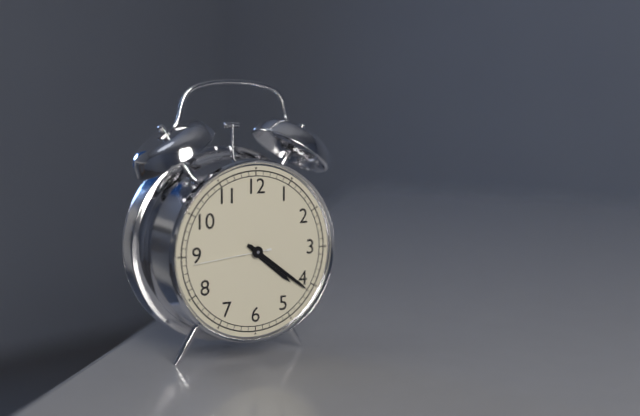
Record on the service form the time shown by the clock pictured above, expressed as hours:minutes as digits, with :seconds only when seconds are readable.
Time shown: 4:21:44
